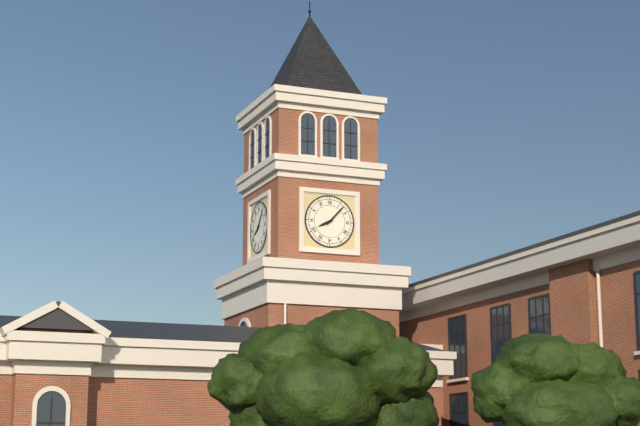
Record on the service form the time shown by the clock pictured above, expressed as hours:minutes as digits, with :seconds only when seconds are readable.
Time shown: 8:07
